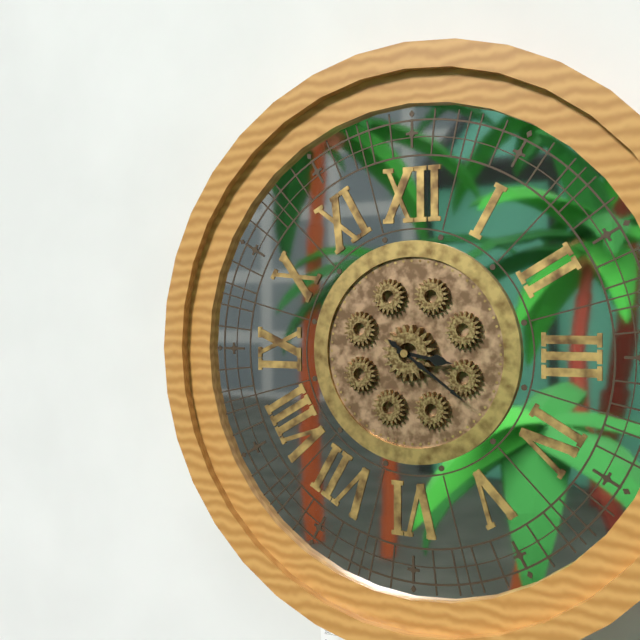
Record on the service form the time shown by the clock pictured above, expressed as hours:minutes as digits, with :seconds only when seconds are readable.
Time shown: 3:21
